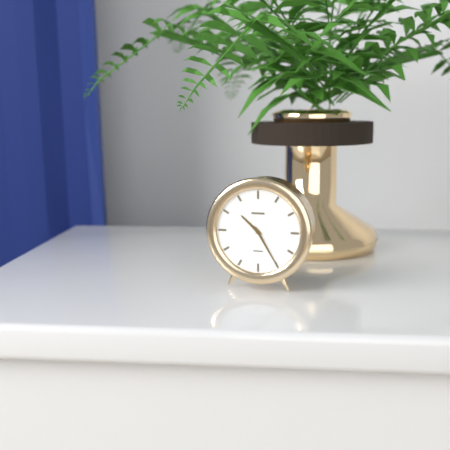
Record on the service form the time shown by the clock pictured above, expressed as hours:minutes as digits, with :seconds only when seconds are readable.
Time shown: 10:25
